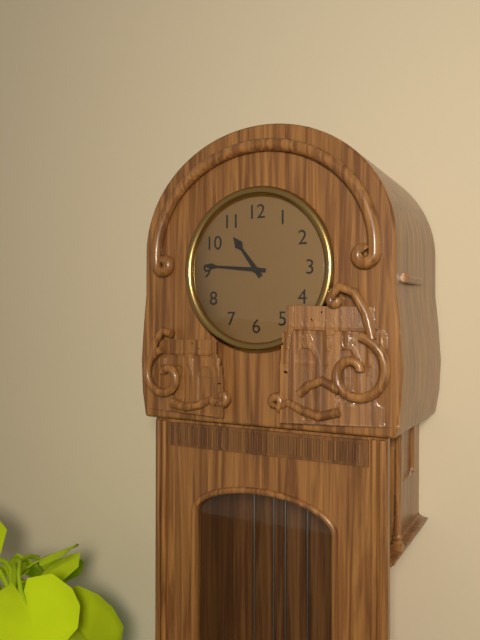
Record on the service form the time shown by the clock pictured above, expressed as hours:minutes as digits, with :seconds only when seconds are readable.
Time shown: 10:46
